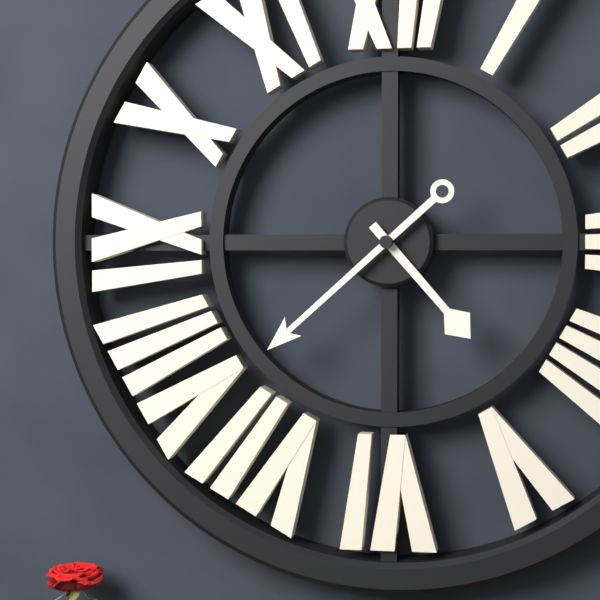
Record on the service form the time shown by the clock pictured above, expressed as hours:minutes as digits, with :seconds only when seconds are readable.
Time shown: 4:38
